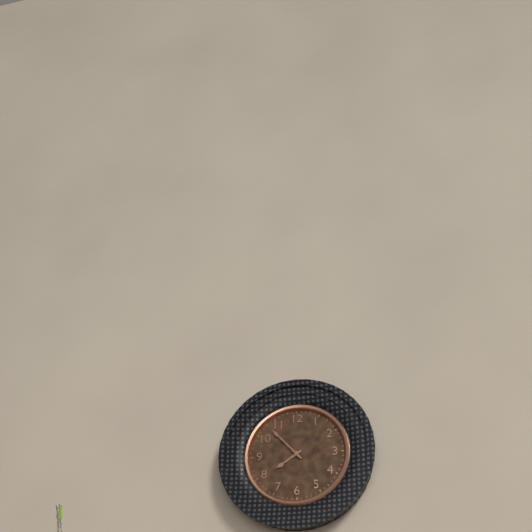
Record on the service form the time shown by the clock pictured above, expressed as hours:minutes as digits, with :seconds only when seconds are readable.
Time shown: 7:53
